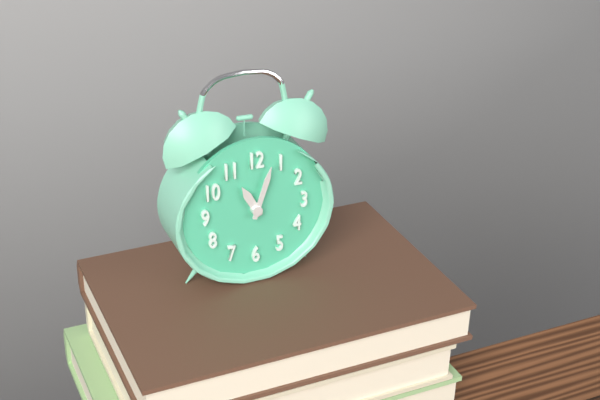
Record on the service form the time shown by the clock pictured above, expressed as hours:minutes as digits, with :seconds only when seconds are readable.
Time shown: 11:03
